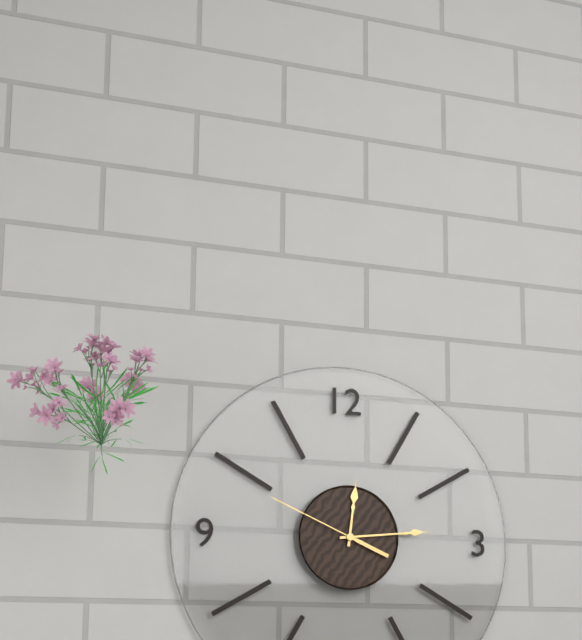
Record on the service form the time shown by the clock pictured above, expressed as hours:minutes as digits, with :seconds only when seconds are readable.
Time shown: 12:14:49
